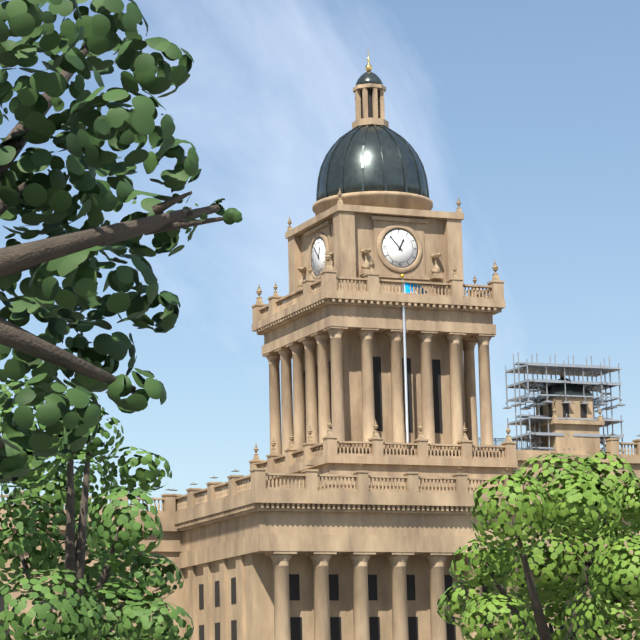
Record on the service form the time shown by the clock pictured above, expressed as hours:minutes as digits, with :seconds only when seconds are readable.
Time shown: 12:53
